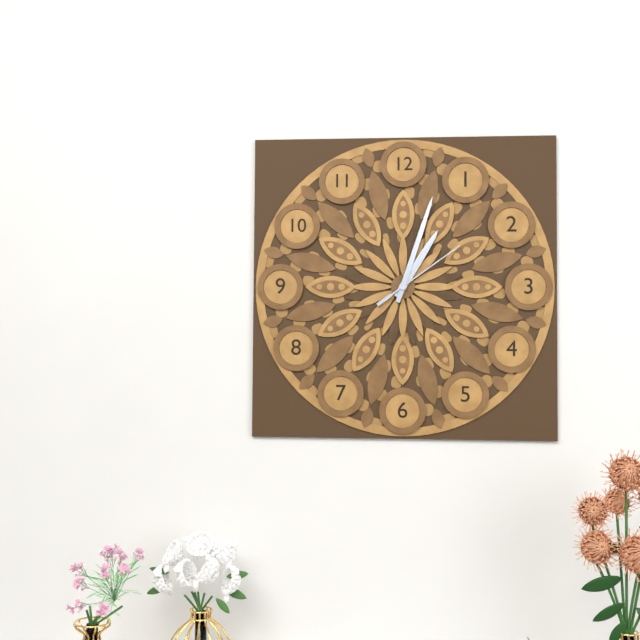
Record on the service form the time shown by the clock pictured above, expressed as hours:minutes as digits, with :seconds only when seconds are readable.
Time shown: 1:03:09
